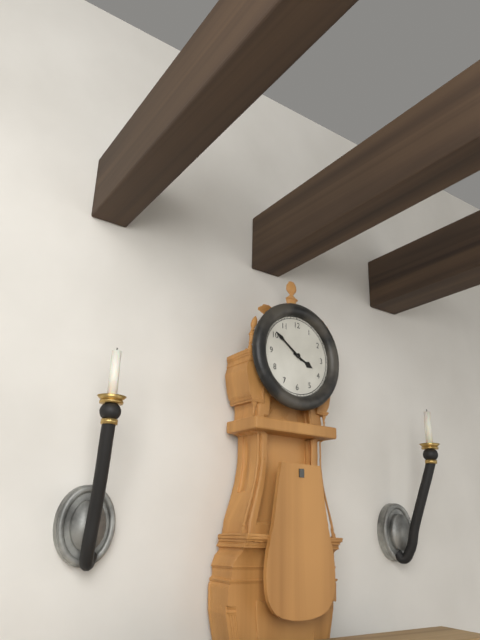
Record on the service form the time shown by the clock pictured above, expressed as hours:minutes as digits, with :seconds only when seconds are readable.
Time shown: 3:51
